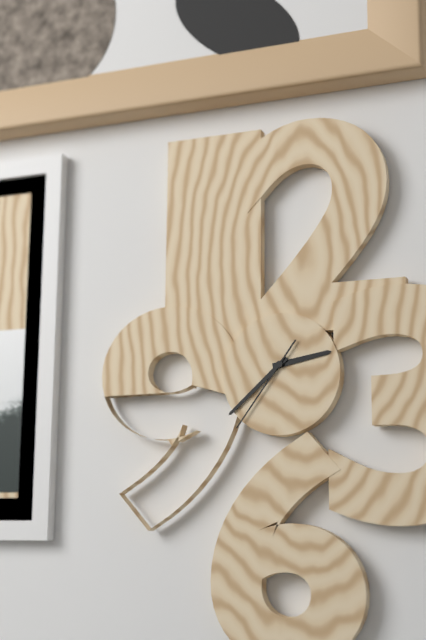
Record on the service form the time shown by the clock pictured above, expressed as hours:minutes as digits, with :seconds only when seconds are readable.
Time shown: 2:38:36
